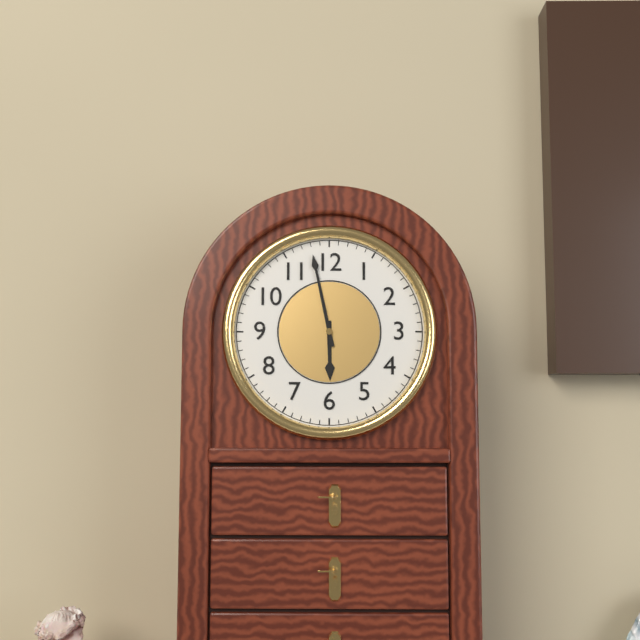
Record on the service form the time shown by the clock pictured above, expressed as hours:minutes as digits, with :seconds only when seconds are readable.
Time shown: 5:58
